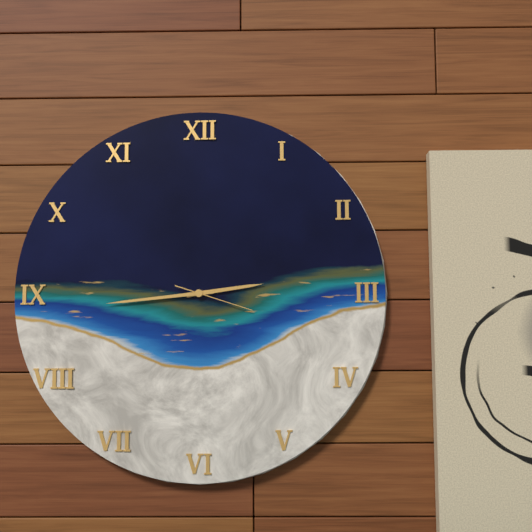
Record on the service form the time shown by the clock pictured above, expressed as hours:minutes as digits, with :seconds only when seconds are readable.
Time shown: 2:44:18
